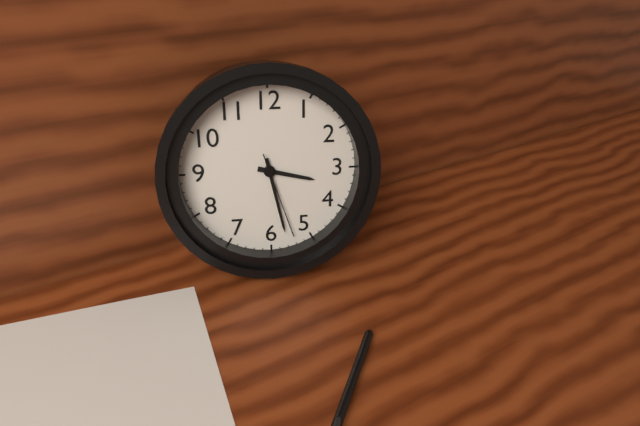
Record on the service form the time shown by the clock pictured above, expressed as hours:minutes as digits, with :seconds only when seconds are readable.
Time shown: 3:28:27
